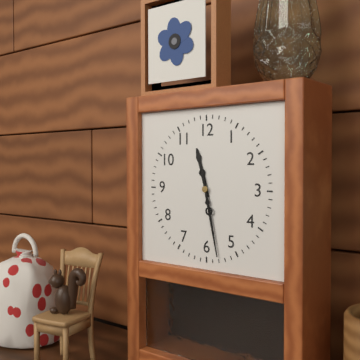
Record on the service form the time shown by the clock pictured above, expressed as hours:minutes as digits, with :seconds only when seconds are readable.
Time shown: 11:28
